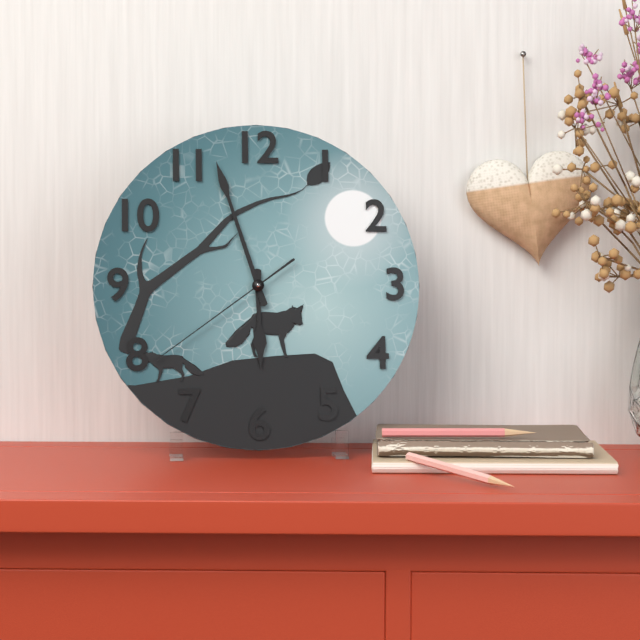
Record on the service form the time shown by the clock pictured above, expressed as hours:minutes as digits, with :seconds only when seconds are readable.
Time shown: 5:57:39
